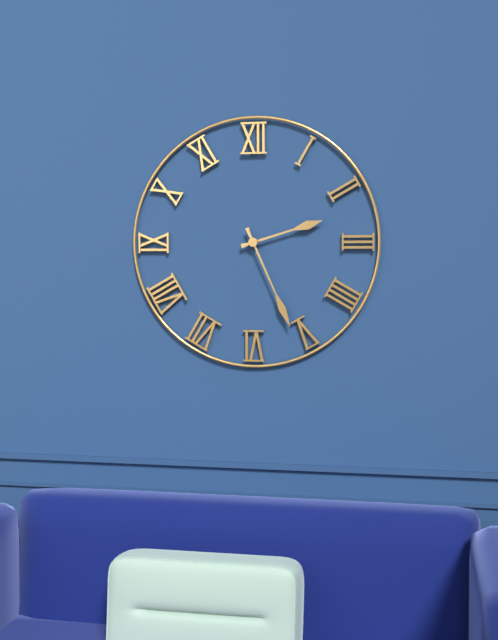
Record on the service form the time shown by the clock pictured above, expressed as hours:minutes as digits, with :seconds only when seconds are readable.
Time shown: 2:26
